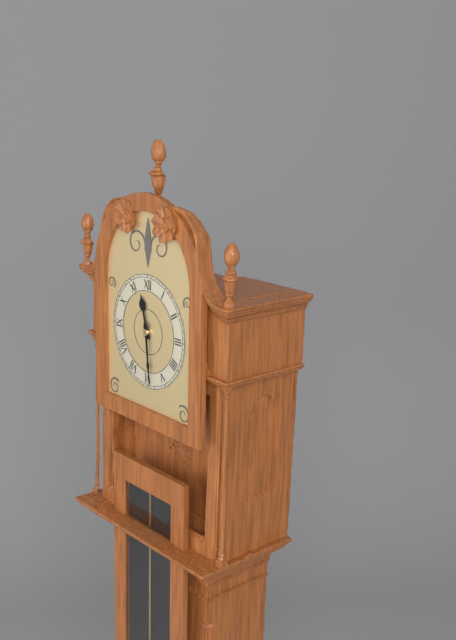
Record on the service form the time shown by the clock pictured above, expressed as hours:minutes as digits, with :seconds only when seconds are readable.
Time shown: 11:29
